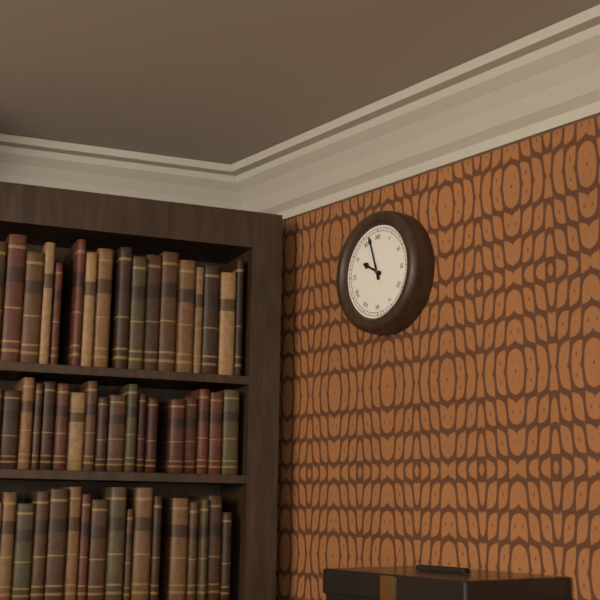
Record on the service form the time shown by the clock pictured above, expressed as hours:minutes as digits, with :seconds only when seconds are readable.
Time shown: 9:57
